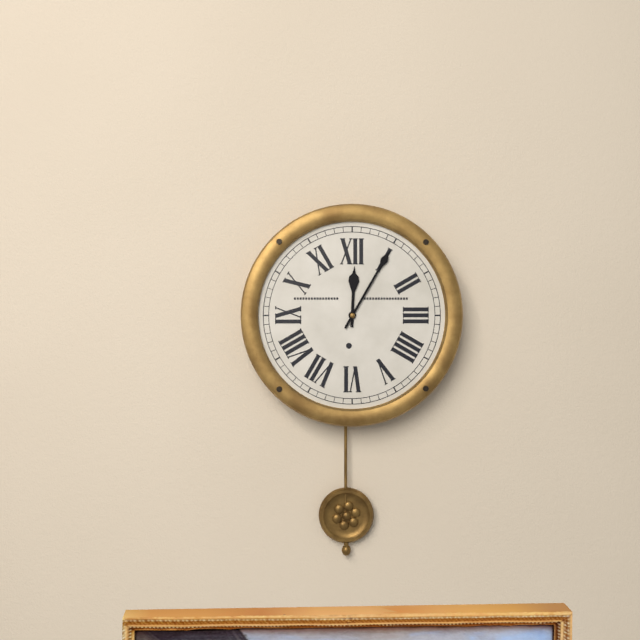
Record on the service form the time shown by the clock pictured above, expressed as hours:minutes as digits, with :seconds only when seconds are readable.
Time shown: 12:05
